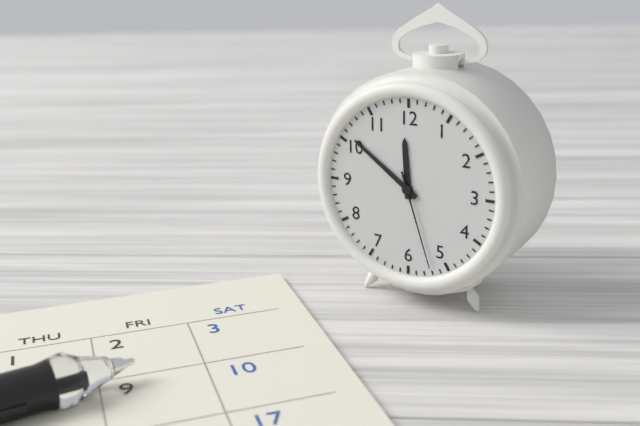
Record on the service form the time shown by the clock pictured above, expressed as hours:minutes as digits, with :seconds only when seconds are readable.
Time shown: 11:51:27
